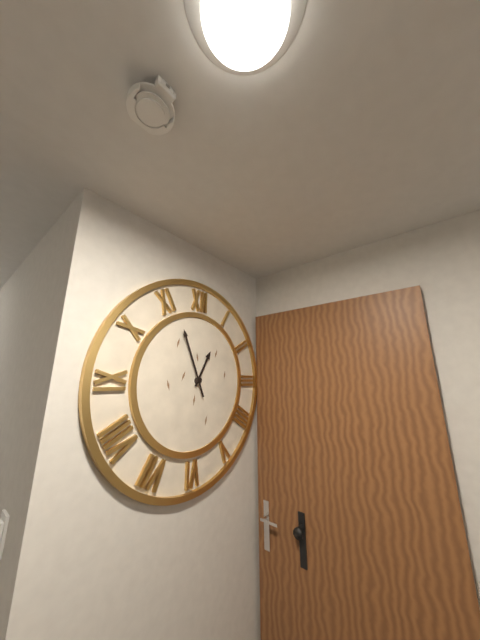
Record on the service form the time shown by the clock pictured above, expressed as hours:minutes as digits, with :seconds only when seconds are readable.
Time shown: 12:56
